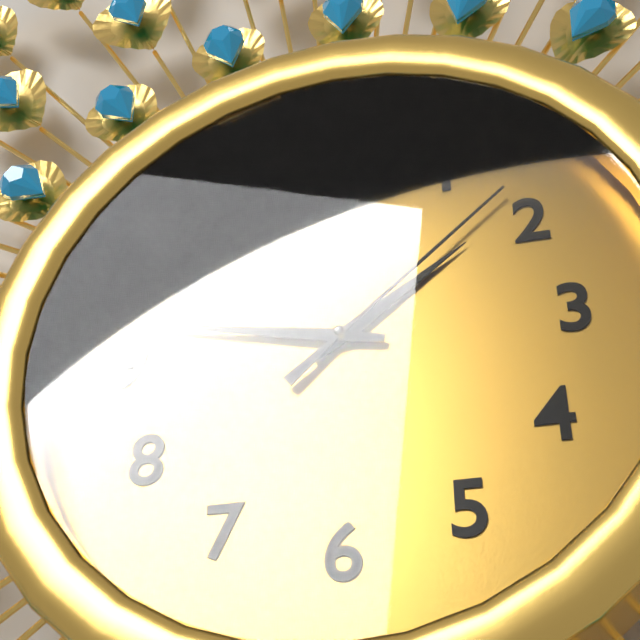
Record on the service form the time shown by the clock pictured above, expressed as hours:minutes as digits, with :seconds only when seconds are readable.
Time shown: 1:47:08
